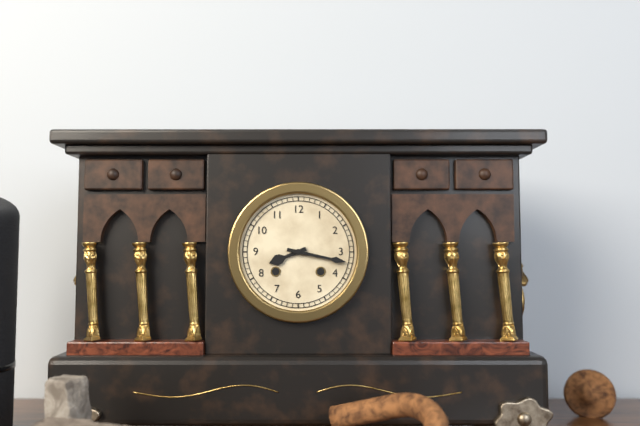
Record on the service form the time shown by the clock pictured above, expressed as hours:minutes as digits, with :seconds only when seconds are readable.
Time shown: 8:17
